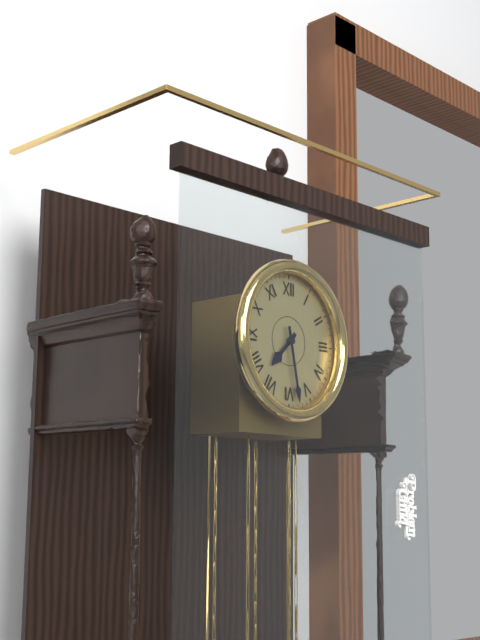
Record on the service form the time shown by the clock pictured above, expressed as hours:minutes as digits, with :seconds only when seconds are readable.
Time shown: 7:28
